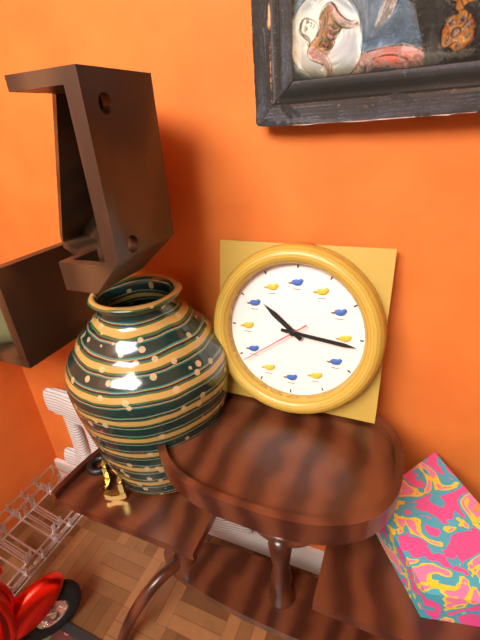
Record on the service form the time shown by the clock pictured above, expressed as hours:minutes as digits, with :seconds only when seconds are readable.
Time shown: 10:16:39
